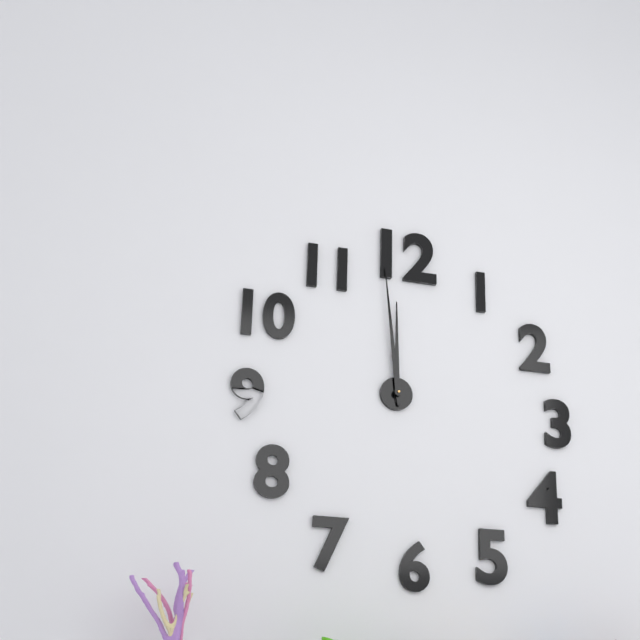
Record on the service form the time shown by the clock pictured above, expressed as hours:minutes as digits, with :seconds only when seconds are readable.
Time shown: 11:59
